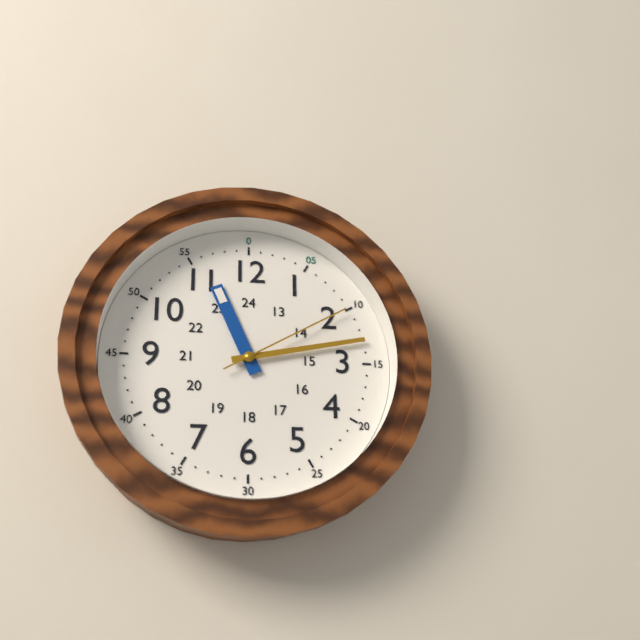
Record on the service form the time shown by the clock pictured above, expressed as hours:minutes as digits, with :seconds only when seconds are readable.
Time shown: 11:13:10
